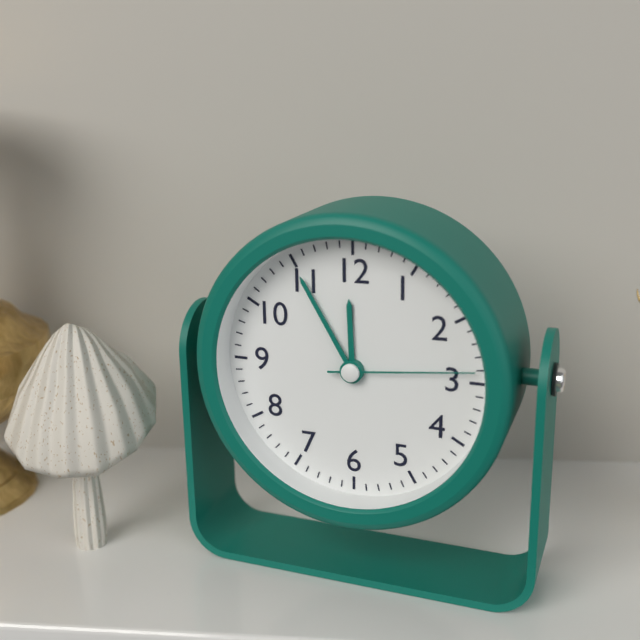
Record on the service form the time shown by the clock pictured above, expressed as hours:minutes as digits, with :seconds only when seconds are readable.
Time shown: 11:55:14
